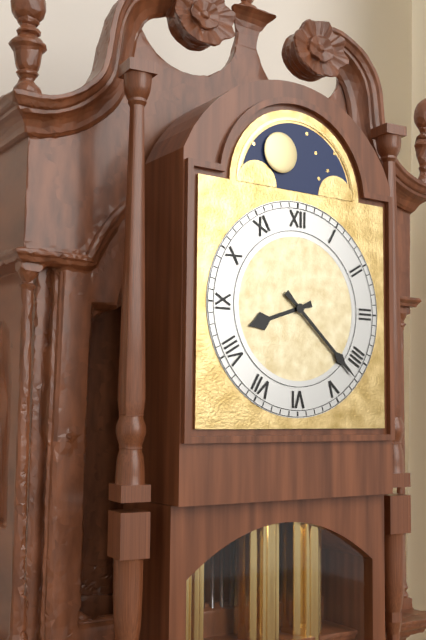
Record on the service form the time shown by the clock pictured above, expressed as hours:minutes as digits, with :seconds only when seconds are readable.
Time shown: 8:22
